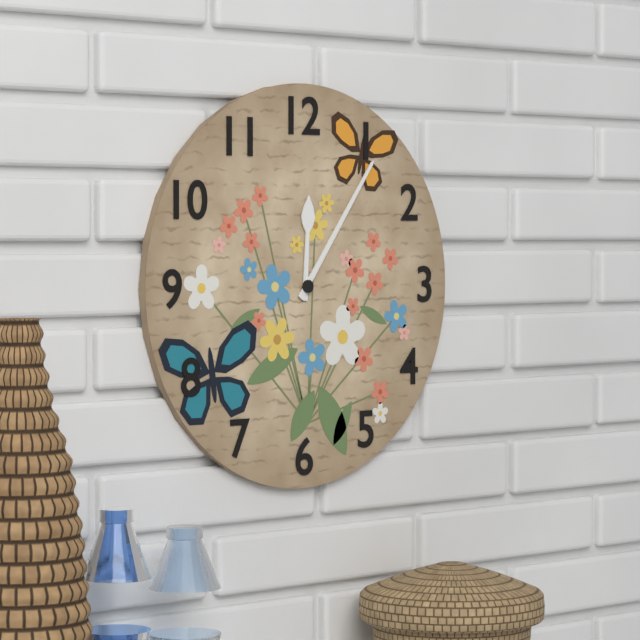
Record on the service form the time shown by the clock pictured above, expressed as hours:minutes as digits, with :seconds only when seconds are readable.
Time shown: 12:06
